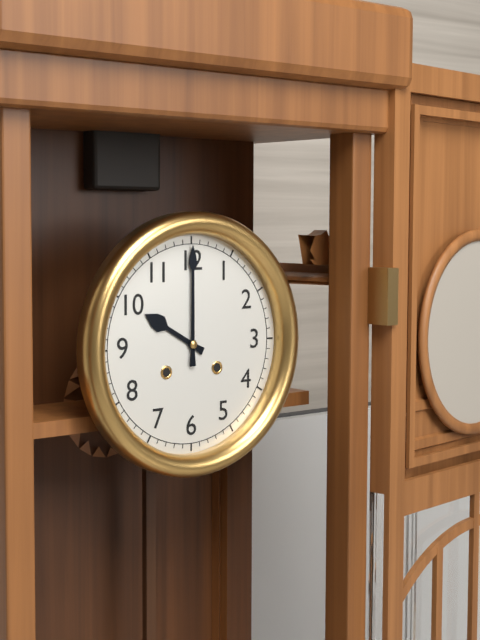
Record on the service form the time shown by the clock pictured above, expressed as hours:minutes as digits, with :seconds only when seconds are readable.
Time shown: 10:00
